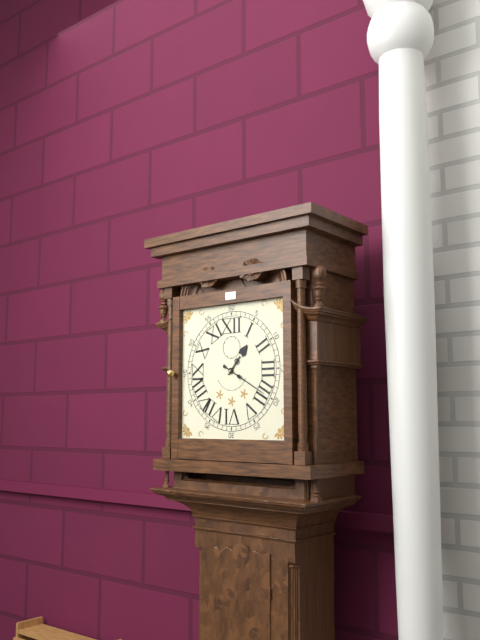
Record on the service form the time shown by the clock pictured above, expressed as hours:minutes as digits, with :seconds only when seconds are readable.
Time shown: 1:20
